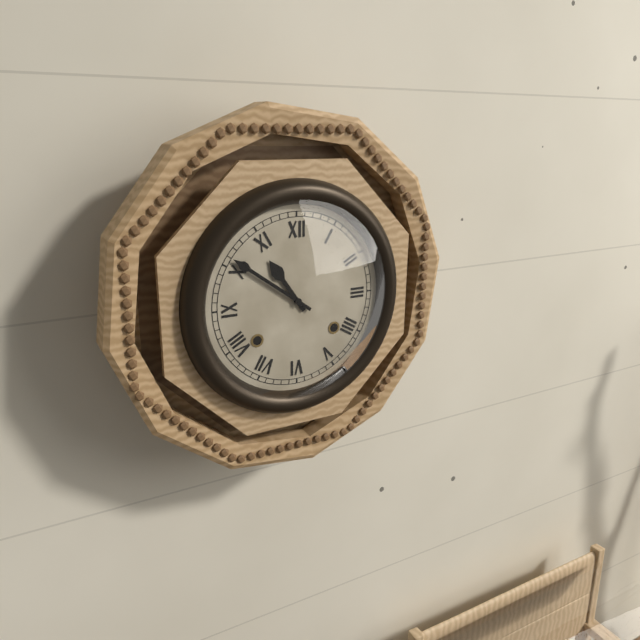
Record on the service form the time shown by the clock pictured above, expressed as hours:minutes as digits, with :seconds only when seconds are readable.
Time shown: 10:51
